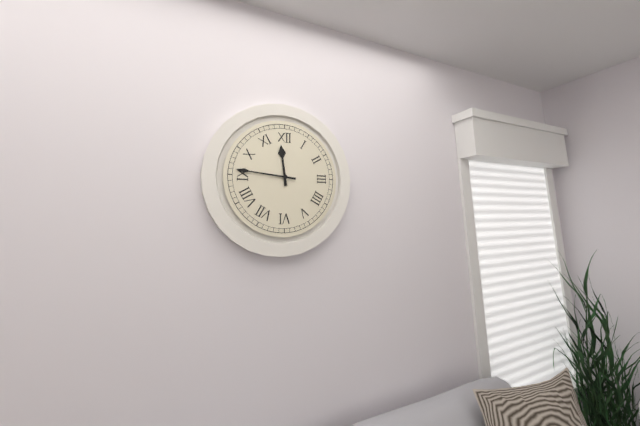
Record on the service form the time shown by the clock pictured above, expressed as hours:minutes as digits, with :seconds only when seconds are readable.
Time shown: 11:46
